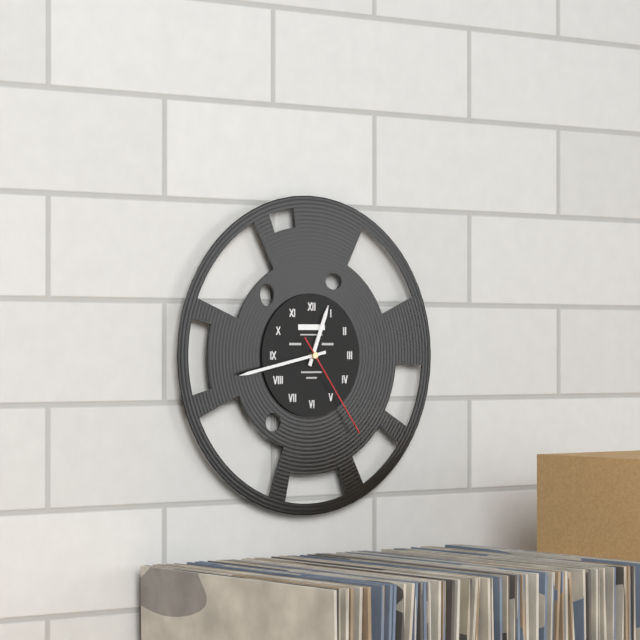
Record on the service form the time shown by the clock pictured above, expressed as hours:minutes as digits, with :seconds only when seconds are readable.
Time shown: 12:43:24
